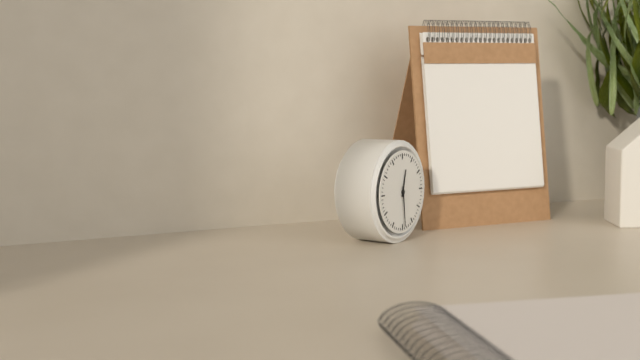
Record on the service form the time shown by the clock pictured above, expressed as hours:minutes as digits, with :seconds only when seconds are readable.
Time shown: 12:29
